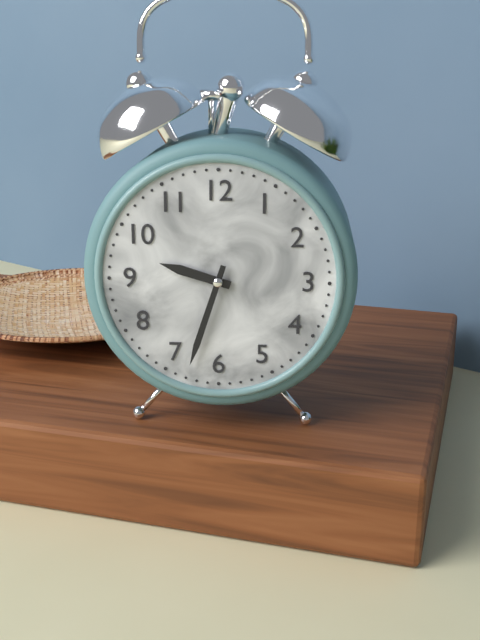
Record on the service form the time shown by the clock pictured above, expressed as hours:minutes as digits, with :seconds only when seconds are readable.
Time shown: 9:33
